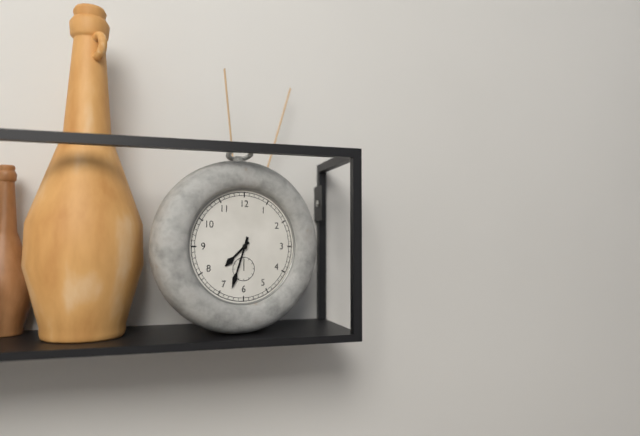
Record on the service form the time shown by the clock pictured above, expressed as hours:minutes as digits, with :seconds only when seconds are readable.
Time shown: 7:33
